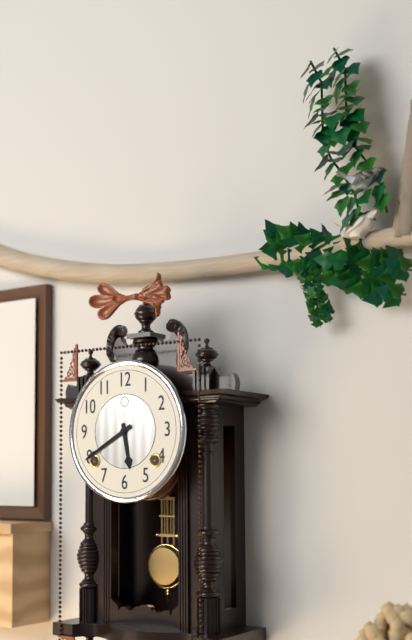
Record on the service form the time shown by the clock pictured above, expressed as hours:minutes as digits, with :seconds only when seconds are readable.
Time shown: 5:40
